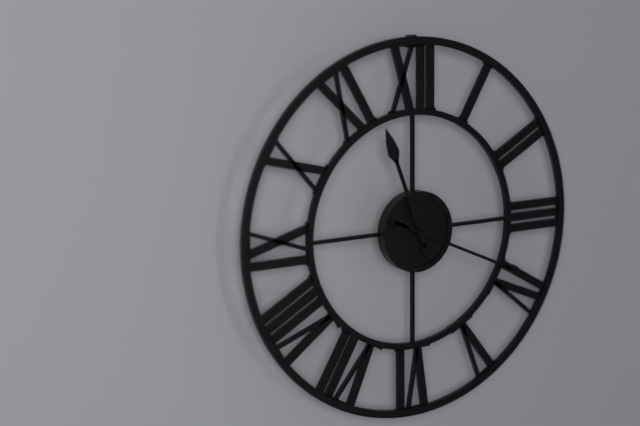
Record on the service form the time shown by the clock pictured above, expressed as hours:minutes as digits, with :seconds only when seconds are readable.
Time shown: 11:19
